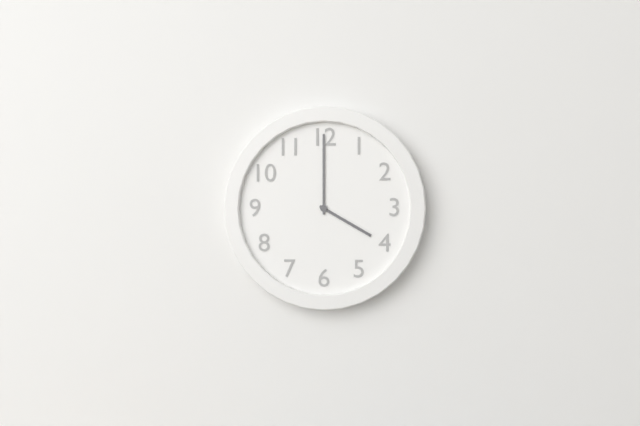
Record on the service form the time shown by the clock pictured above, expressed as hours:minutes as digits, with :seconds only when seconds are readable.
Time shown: 4:00
